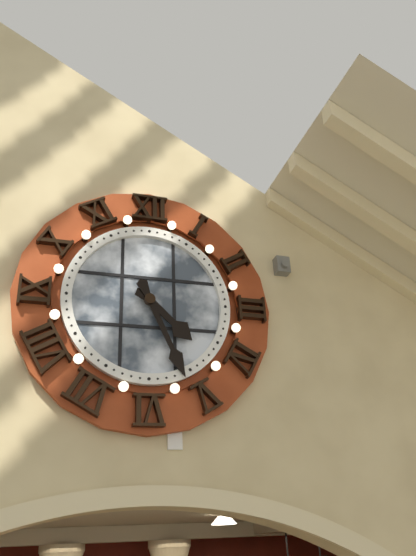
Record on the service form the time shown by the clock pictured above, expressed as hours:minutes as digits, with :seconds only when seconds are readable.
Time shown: 4:26
